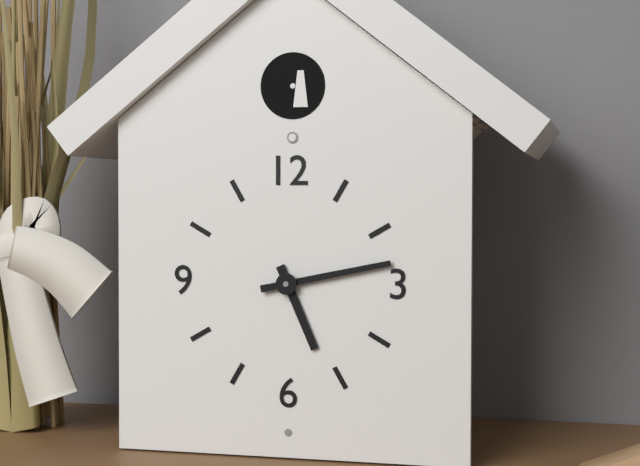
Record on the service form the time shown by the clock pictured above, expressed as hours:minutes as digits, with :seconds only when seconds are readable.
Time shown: 5:13
